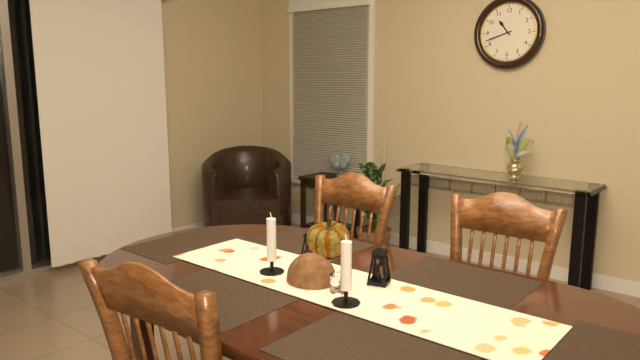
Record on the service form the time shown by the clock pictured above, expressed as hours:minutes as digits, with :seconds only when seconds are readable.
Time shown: 10:42
